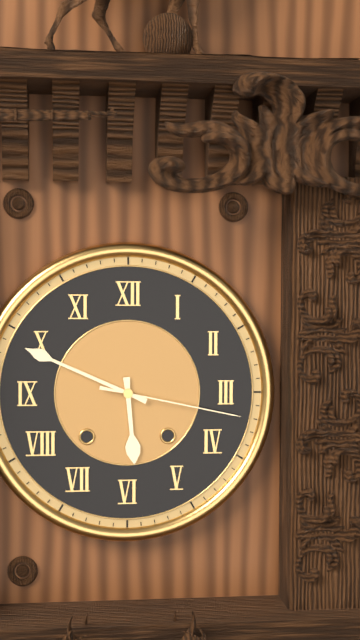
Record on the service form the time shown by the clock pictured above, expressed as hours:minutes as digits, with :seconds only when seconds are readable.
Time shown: 5:49:17
